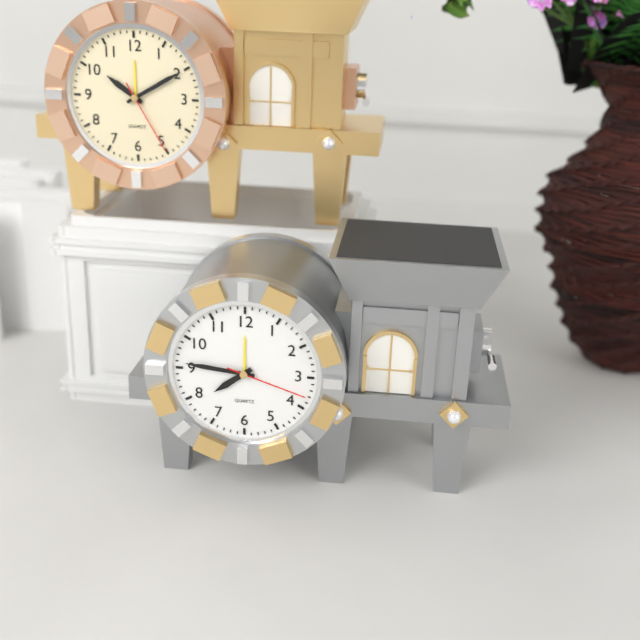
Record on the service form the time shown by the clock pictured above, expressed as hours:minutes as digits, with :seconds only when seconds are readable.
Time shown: 7:46:18
